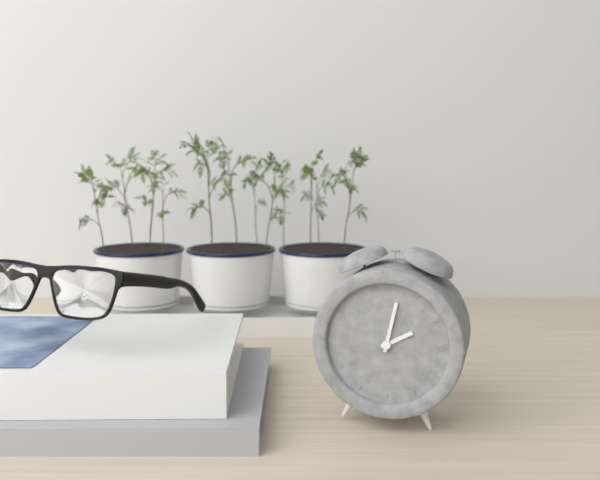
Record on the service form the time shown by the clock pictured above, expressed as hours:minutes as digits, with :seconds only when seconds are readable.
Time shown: 2:02
